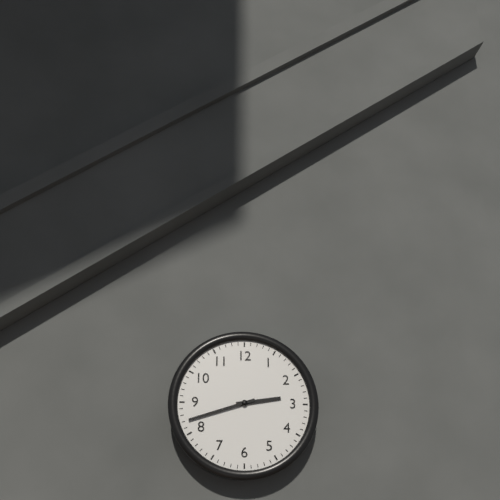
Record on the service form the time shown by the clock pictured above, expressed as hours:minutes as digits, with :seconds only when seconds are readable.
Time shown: 2:42
